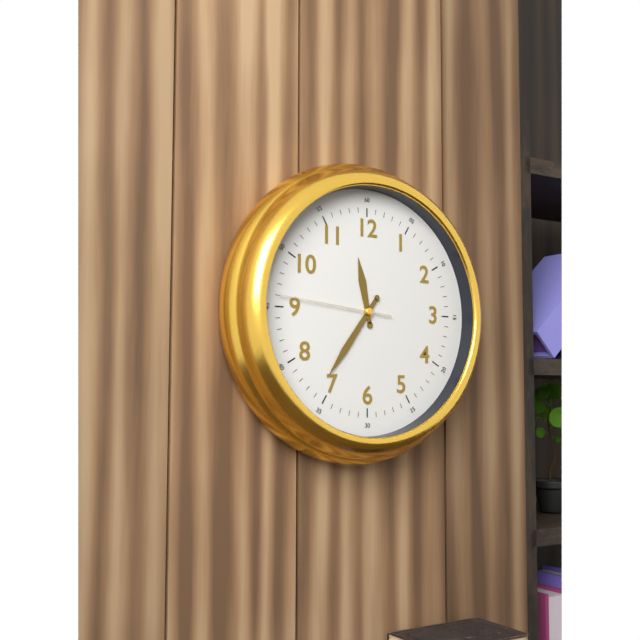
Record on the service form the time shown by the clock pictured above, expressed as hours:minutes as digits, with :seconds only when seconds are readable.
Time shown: 11:36:46
